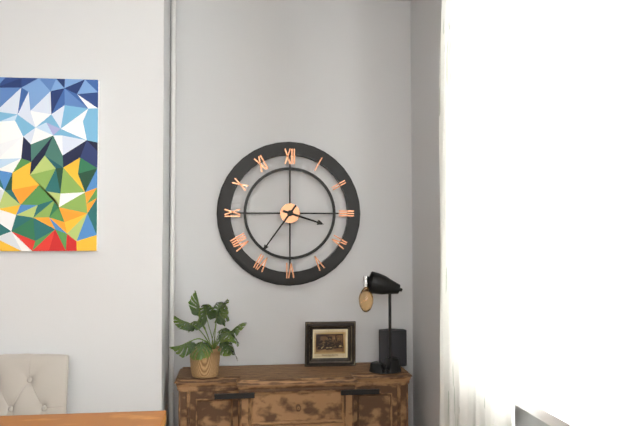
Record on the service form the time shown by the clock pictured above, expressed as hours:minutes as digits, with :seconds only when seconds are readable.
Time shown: 3:36
